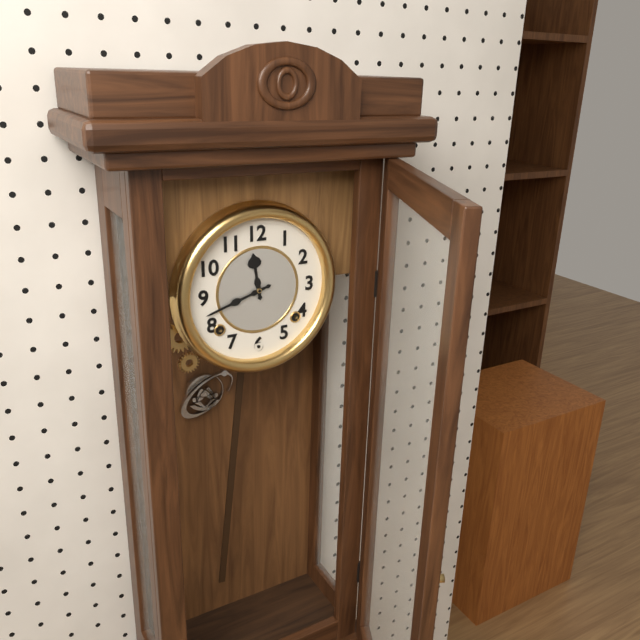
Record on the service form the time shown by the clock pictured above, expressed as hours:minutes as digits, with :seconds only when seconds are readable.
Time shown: 11:42
